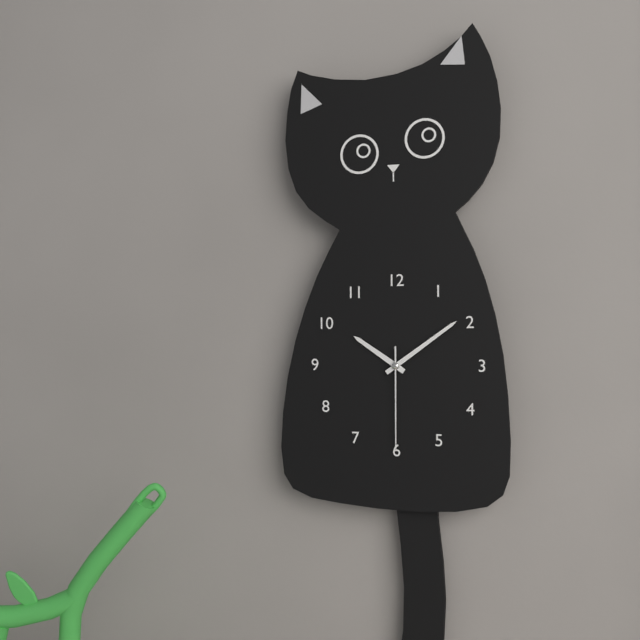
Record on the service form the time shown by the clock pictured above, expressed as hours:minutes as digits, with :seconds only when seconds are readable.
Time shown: 10:09:30
